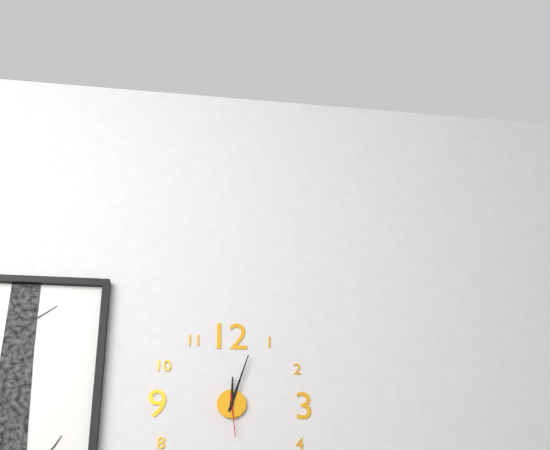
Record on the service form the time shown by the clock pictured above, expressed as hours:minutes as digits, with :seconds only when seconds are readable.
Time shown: 12:03
